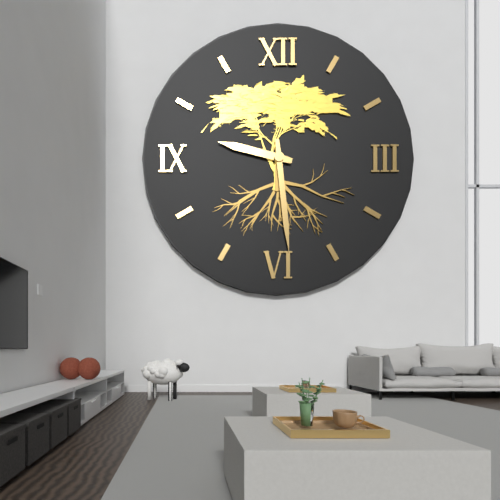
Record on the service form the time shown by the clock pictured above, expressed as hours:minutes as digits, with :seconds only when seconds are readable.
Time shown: 9:29
